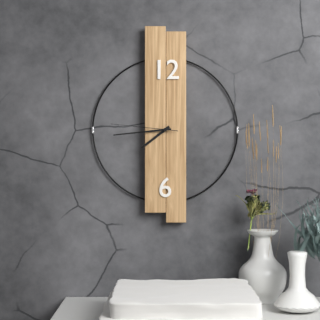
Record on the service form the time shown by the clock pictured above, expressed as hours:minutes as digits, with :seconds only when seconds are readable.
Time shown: 7:44:46
